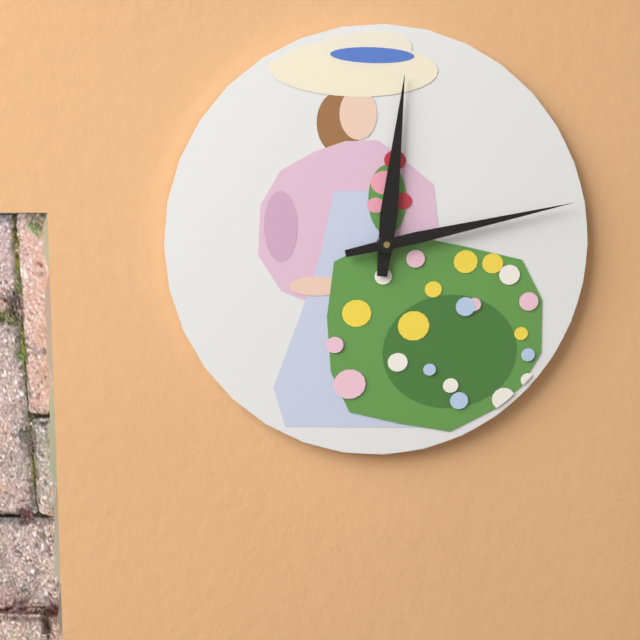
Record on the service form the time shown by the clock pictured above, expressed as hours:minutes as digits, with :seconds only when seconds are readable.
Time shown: 12:13
